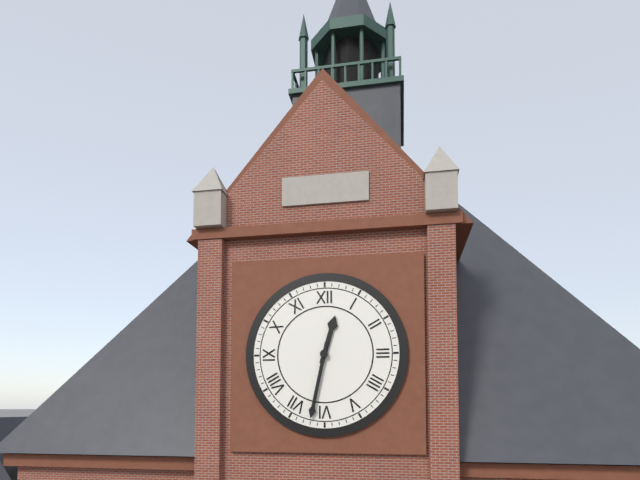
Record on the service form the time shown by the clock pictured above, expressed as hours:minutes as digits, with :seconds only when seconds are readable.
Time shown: 12:32
